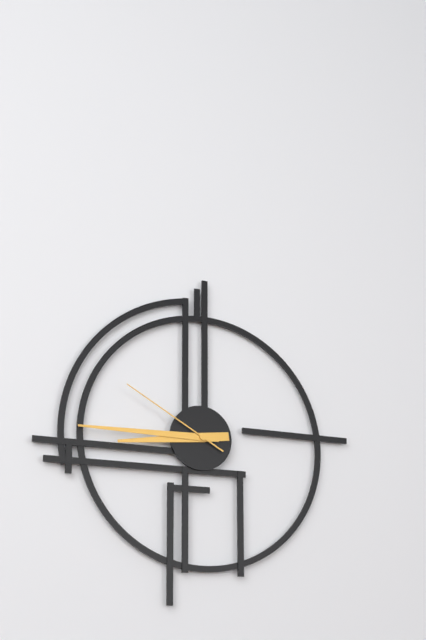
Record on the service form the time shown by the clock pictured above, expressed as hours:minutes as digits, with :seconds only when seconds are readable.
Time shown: 8:45:50
